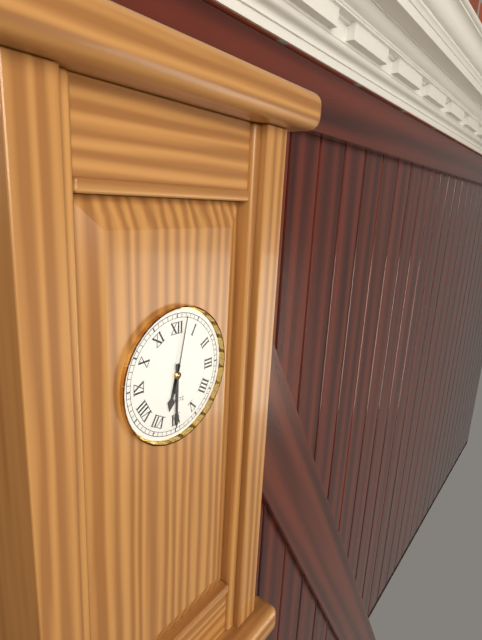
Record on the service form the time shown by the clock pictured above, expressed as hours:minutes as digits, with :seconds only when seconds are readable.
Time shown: 6:30:02
